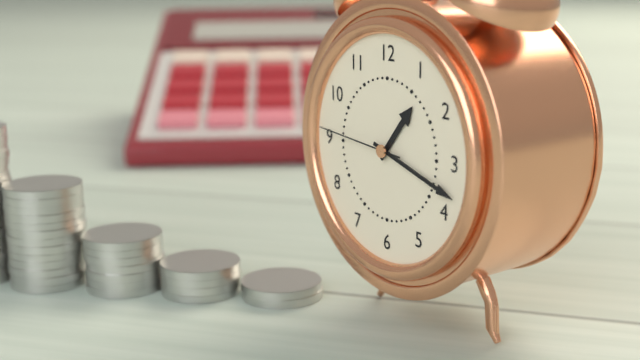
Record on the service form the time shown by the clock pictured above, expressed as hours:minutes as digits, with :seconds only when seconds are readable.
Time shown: 1:18:46
